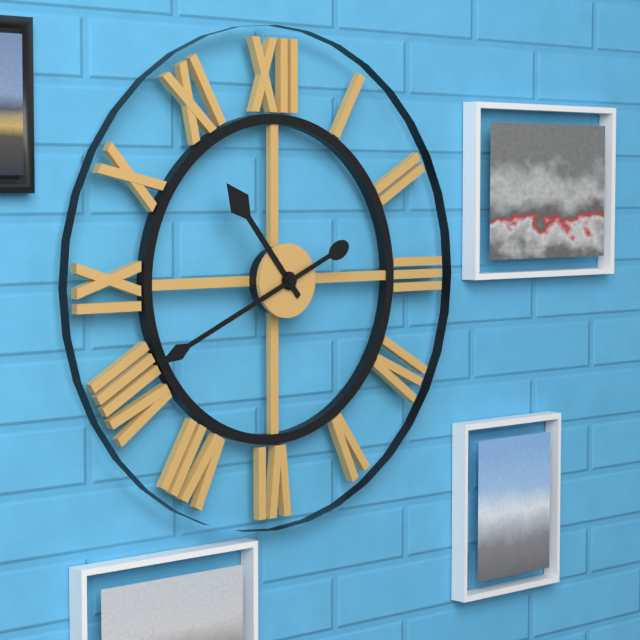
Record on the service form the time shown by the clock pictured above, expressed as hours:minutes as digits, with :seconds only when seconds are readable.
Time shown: 10:41
